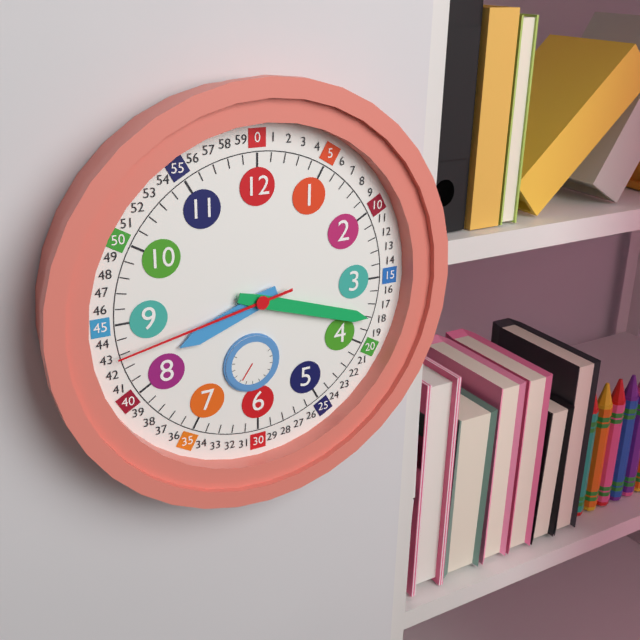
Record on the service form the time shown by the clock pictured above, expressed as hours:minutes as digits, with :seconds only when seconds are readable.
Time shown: 8:18:43
